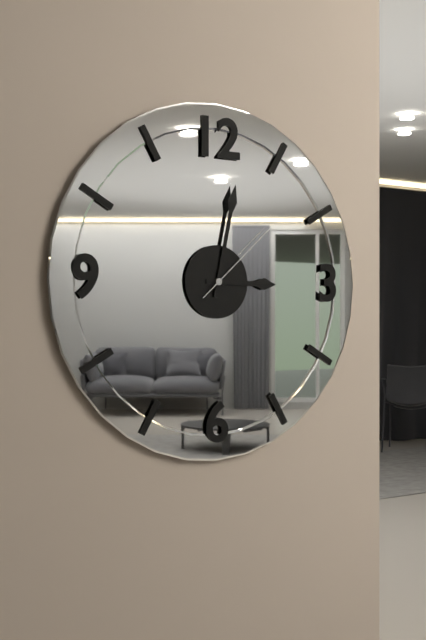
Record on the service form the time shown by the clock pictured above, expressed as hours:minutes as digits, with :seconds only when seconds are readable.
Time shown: 3:02:08
